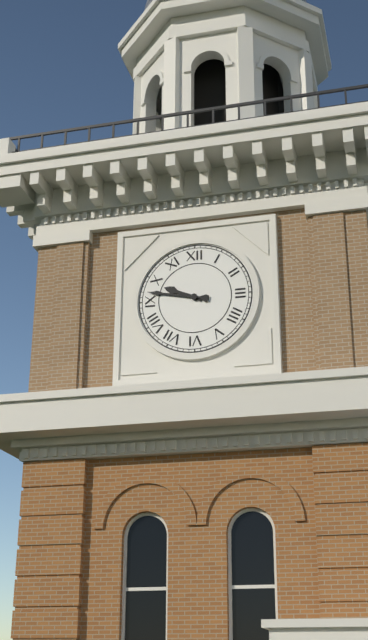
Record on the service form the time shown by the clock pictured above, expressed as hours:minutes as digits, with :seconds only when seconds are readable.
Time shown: 9:47
